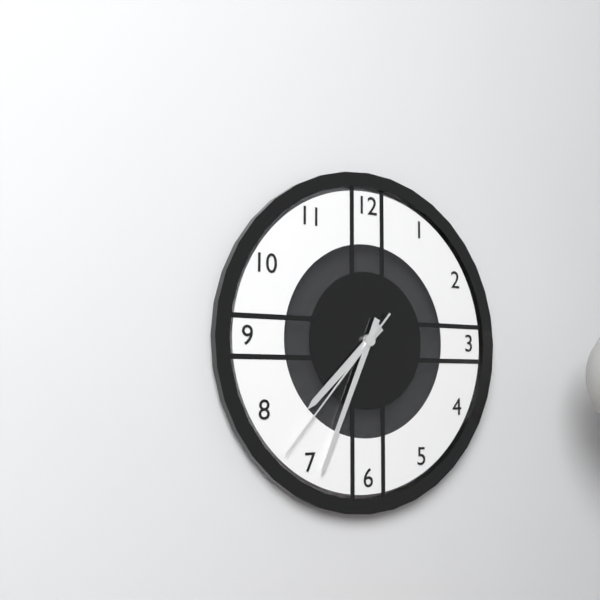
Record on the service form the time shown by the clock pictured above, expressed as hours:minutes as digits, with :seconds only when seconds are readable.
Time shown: 7:34:37
